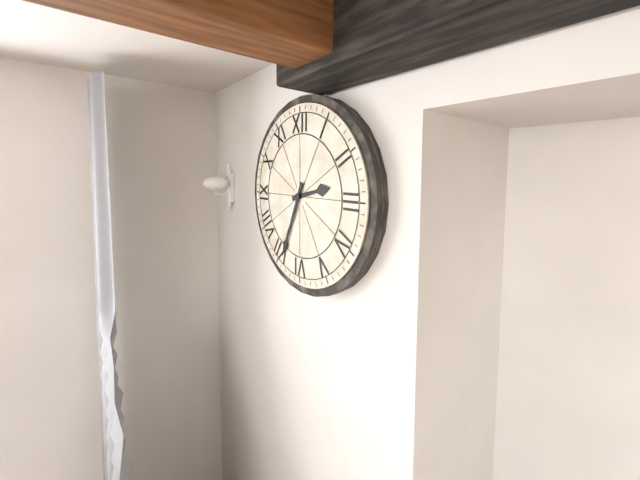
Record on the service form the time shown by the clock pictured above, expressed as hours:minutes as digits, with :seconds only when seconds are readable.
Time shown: 2:34
